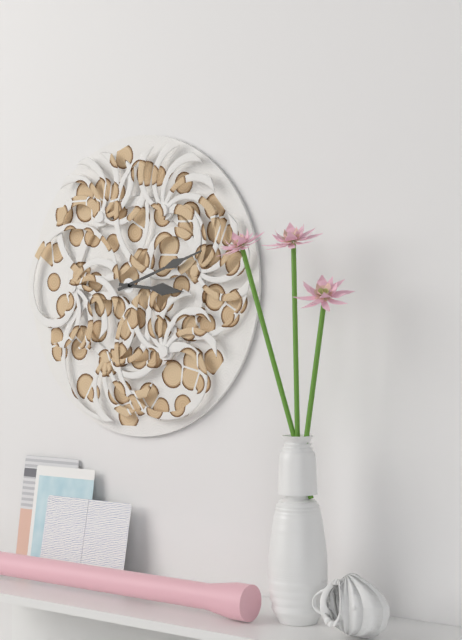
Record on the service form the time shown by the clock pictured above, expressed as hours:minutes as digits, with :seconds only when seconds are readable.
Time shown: 3:12
